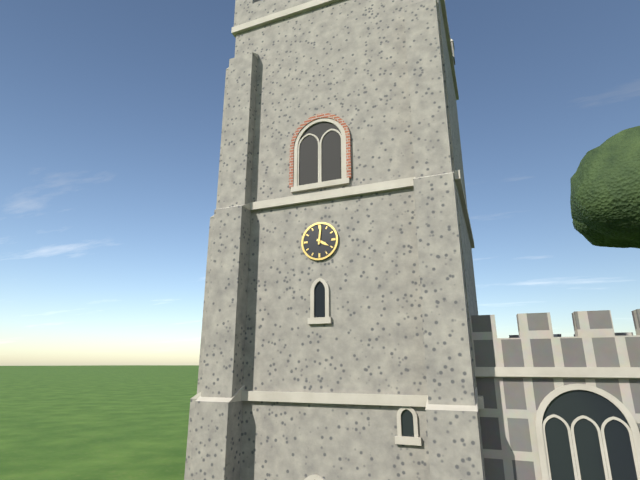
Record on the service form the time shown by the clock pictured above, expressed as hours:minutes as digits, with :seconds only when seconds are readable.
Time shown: 4:01
